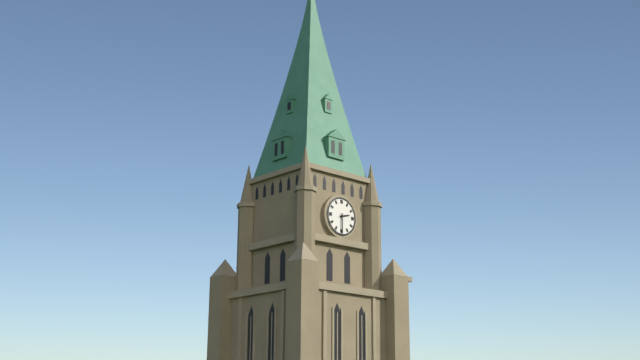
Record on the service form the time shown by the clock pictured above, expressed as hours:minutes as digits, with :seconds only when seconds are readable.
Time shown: 2:30
